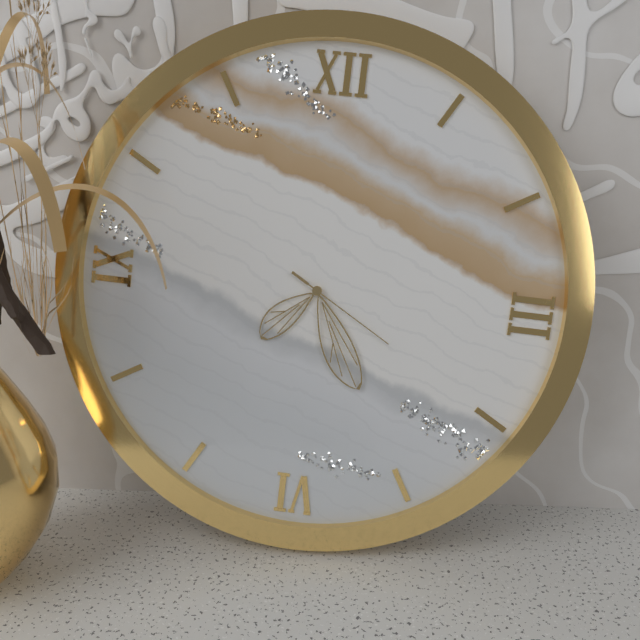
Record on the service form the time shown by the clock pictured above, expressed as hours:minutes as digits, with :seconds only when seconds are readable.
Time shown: 7:25:20
